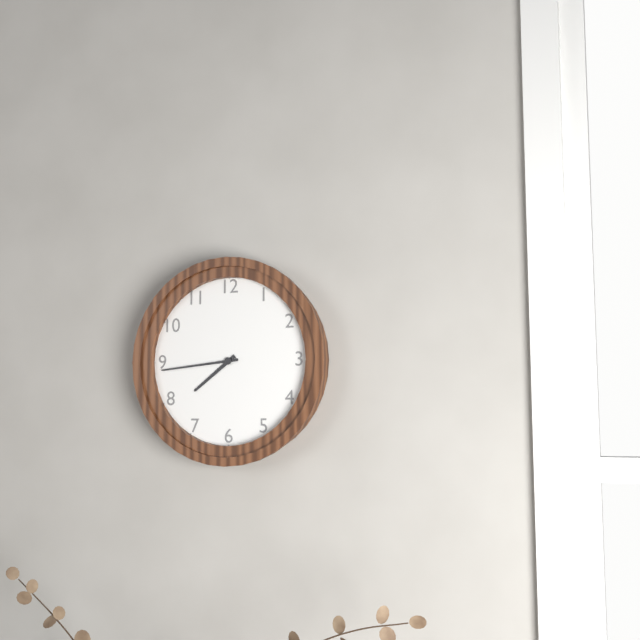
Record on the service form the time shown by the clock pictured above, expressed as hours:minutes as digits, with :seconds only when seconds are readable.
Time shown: 7:44
